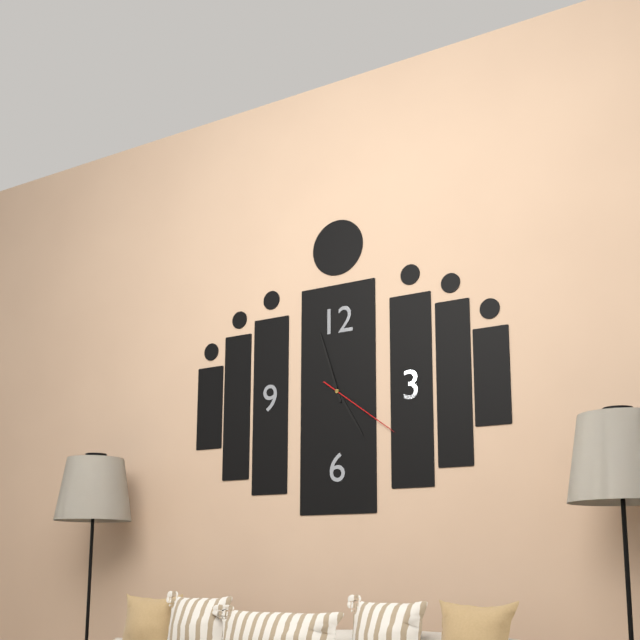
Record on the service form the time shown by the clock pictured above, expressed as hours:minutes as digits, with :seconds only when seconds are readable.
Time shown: 4:57:21
